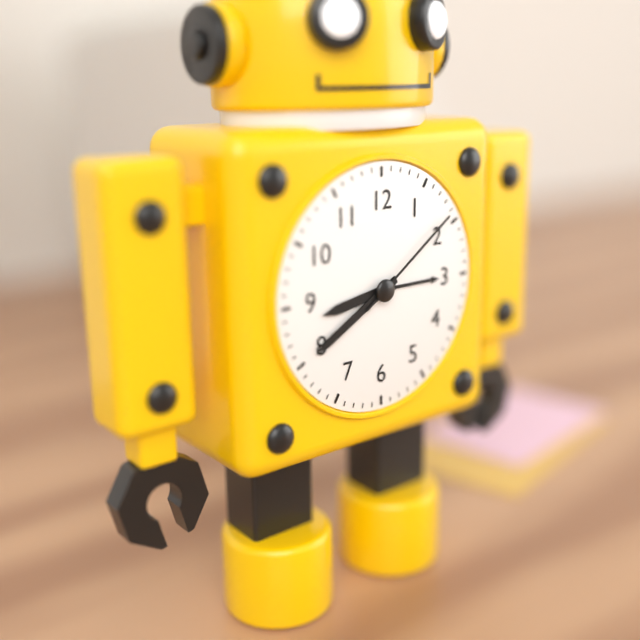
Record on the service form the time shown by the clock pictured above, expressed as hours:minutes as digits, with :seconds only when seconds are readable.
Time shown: 8:40:09
